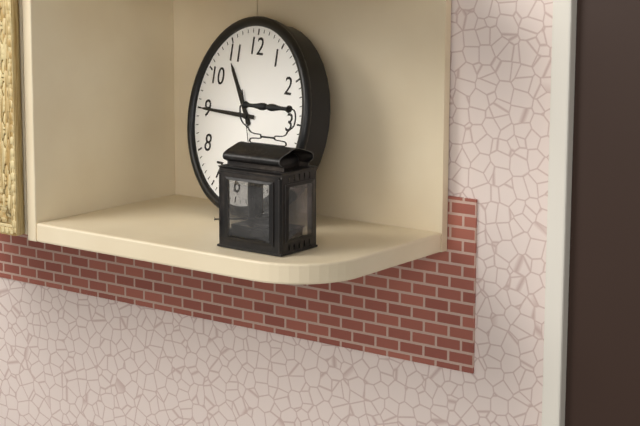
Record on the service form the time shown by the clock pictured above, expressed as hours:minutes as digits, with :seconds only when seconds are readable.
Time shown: 10:45
